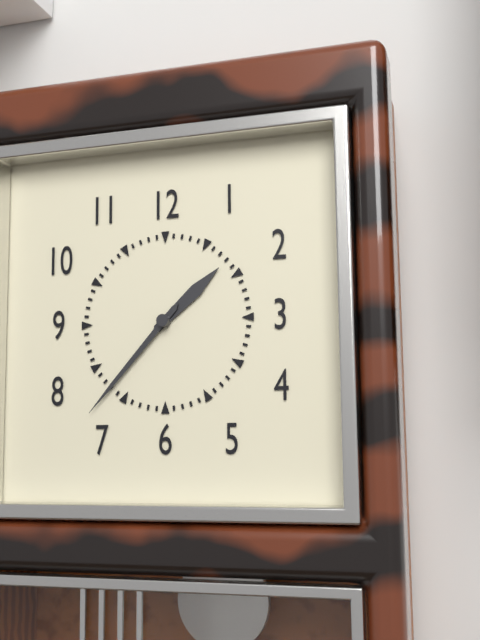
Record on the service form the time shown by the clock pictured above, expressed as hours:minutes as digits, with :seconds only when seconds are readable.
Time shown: 1:37
